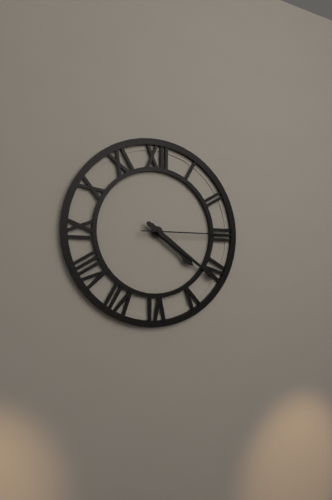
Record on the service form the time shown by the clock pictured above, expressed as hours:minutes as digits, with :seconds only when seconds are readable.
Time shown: 4:21:15
